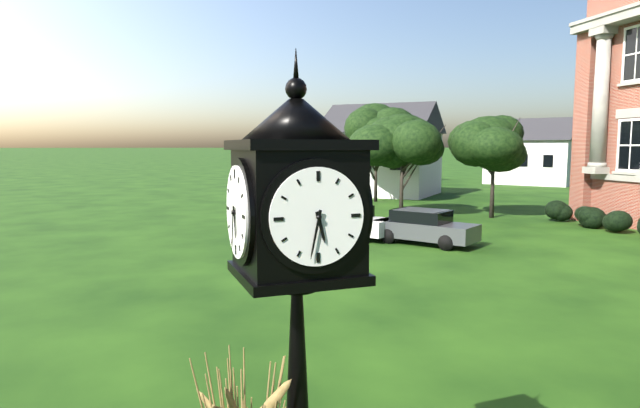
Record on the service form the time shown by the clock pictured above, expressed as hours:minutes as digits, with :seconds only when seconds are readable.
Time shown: 5:32
